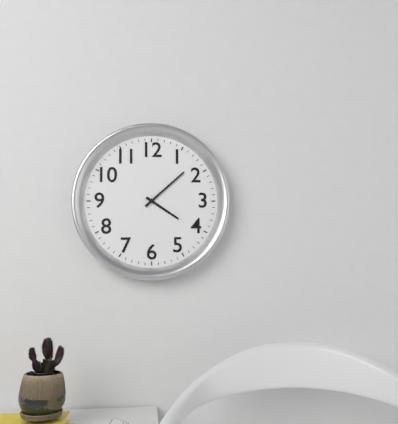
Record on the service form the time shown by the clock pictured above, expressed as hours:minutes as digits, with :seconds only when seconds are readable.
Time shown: 4:08
